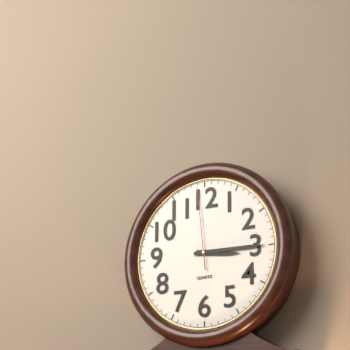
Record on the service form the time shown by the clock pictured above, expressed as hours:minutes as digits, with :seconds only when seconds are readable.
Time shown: 3:15:59
